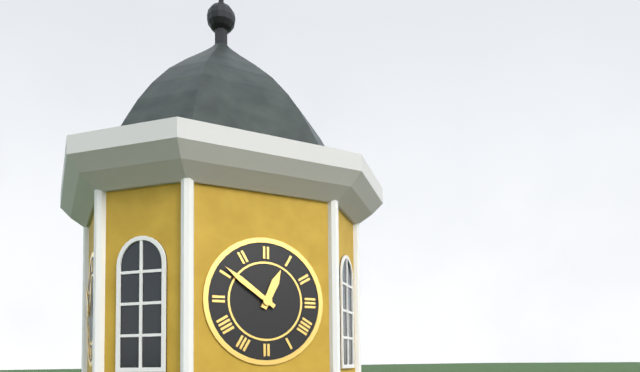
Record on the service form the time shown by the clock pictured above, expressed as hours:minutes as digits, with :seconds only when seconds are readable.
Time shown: 12:51
